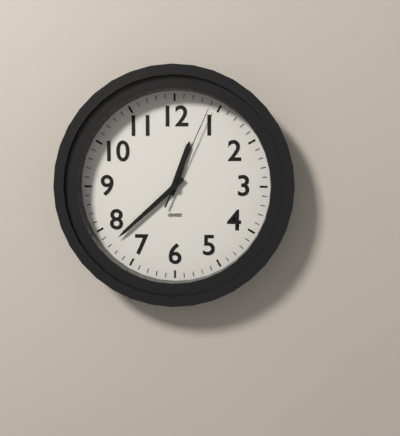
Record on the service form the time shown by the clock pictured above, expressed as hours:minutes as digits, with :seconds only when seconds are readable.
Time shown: 12:38:04
